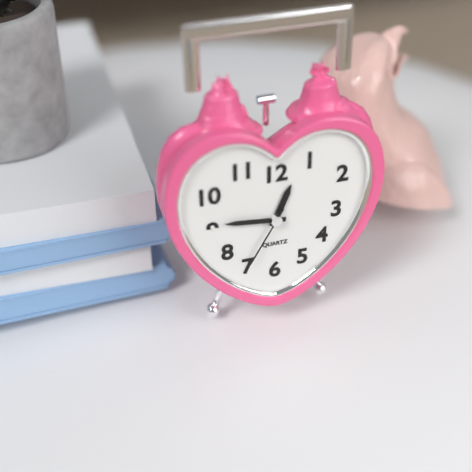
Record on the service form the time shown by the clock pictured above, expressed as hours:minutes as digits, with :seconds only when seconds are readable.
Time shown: 12:46:35
